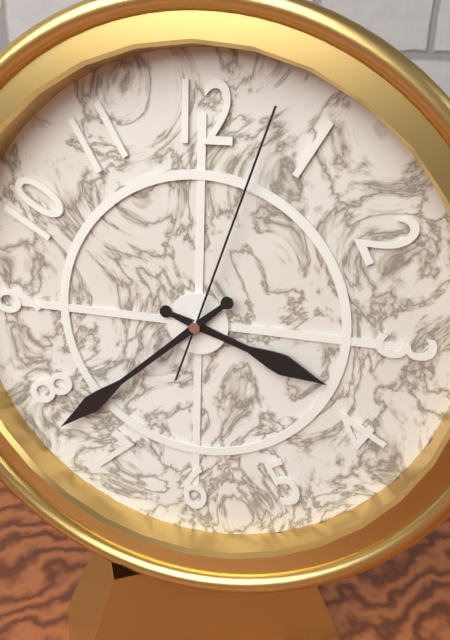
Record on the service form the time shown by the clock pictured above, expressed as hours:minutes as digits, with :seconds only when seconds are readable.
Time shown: 3:38:03
